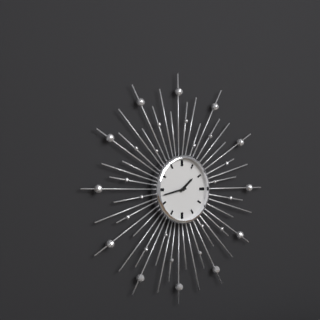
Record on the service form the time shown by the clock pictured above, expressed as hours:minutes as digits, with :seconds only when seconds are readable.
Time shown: 1:43
